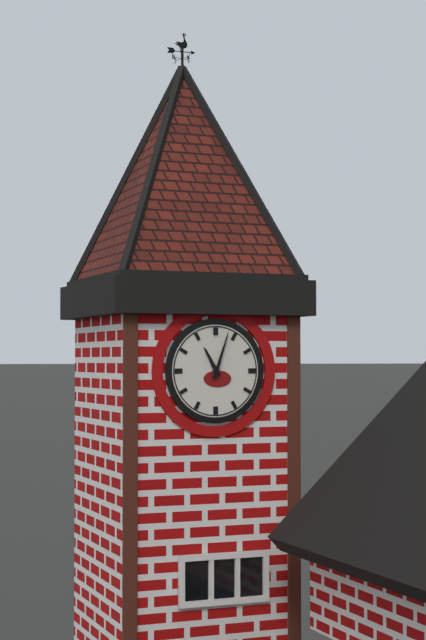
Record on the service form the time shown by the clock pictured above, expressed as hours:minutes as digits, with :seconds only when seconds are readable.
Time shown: 11:03
